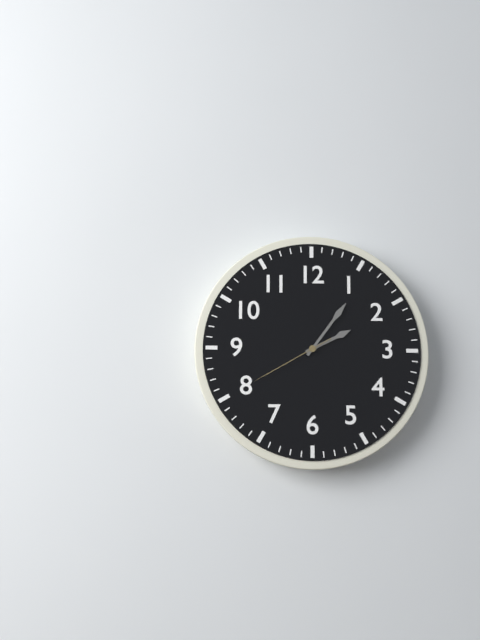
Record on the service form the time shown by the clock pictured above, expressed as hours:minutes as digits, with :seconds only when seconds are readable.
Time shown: 2:06:40
